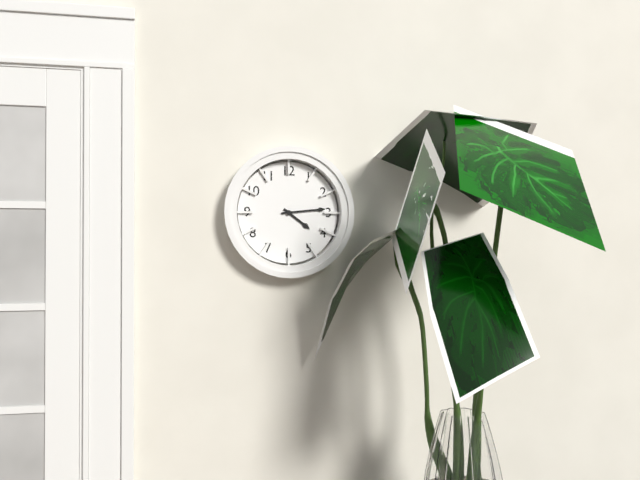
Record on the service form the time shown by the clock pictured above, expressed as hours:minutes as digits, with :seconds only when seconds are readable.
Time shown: 4:14
